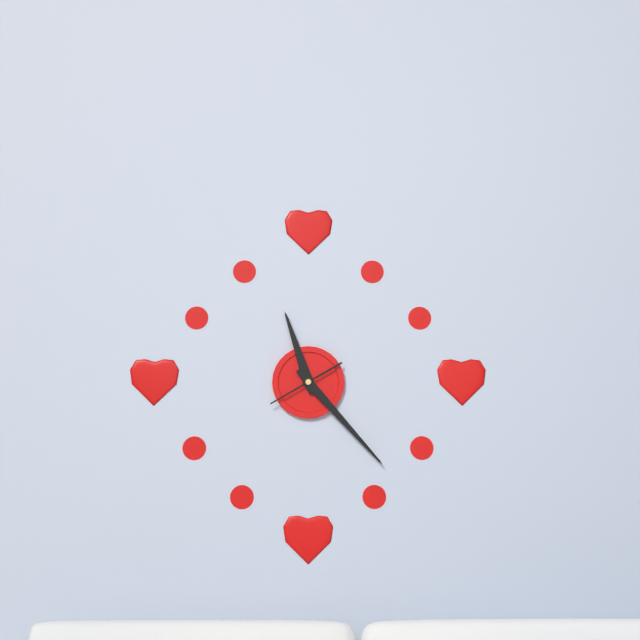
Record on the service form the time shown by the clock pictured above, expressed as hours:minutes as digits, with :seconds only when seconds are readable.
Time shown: 11:23:40
